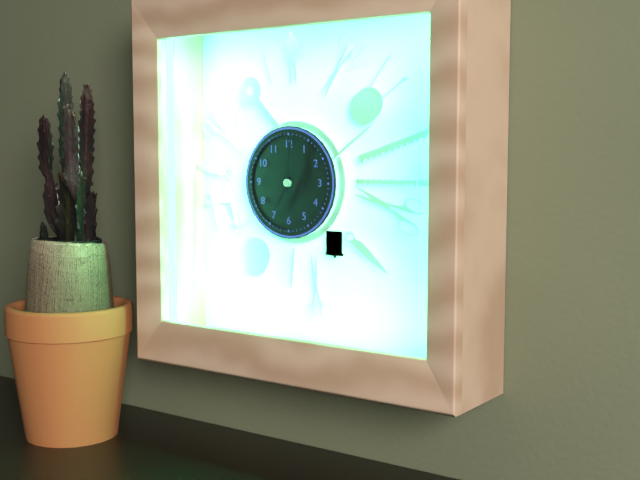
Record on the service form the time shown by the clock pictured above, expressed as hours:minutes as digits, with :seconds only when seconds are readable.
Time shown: 7:01
